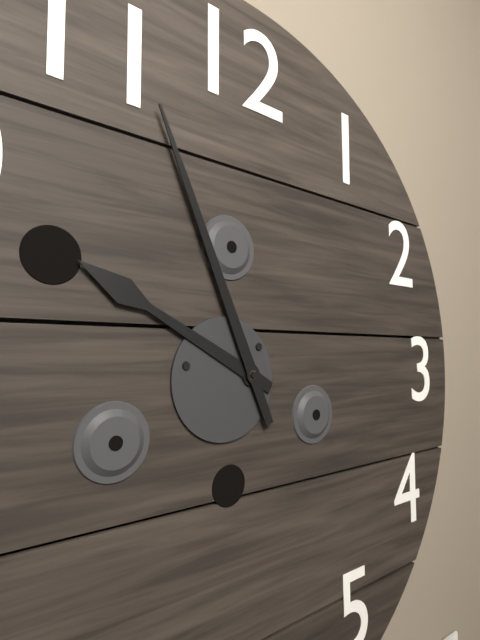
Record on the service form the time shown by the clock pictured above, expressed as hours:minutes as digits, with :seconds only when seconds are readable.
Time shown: 9:56
